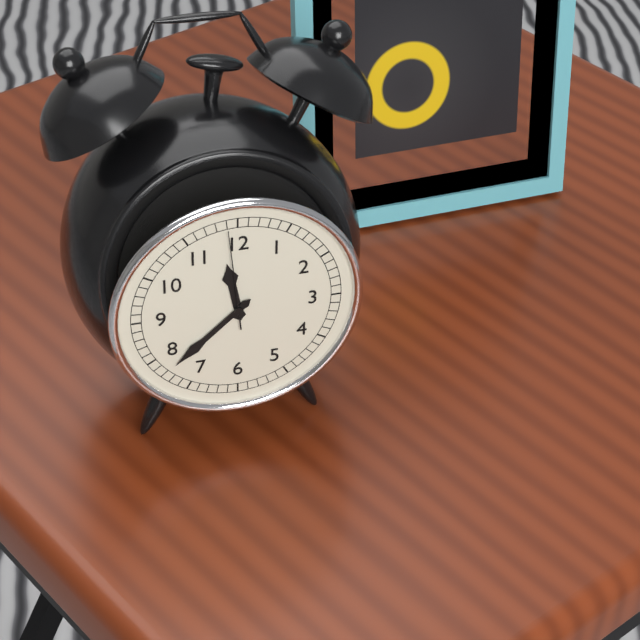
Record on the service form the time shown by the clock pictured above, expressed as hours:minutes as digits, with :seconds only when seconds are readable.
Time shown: 11:38:59
